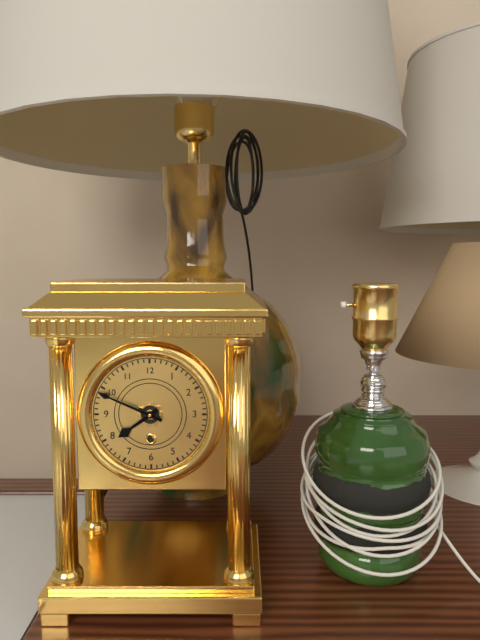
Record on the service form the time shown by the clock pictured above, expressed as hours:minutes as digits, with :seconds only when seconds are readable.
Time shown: 7:49
